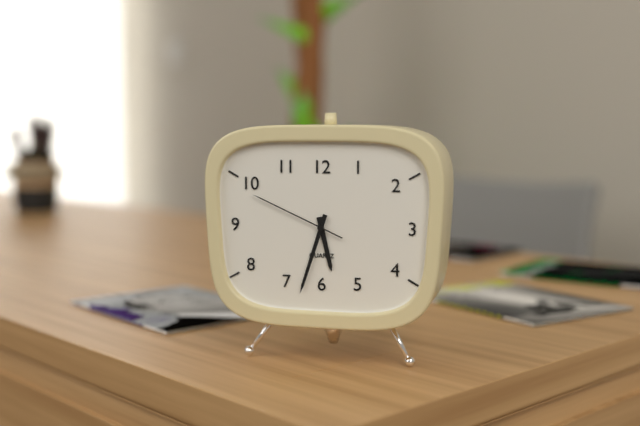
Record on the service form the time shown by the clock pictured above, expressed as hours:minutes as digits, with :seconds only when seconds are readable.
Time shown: 5:33:49
